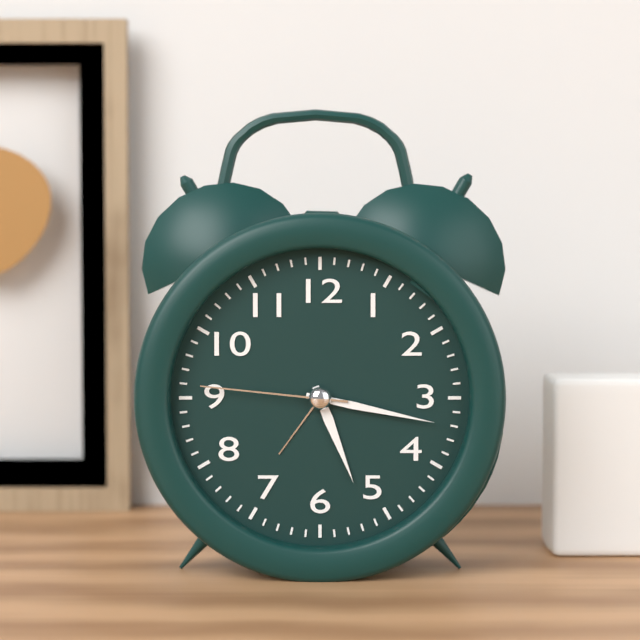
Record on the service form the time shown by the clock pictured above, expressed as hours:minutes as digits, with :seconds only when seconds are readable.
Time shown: 5:17:46
